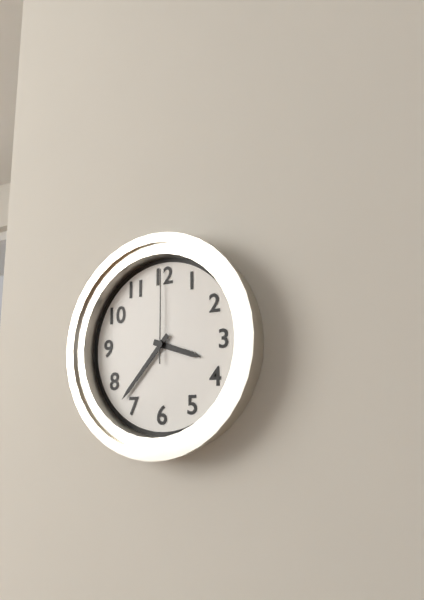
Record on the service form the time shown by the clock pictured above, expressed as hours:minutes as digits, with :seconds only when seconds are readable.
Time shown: 3:37:00
